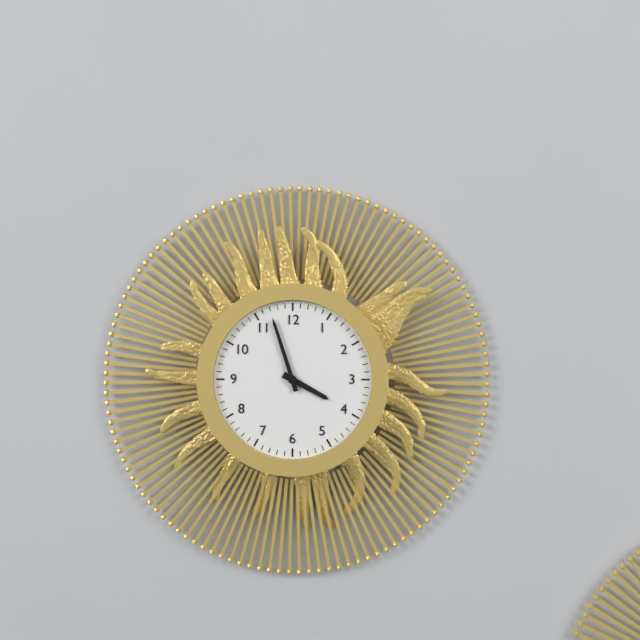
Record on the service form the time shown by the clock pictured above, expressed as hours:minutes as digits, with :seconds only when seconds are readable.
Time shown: 3:57
